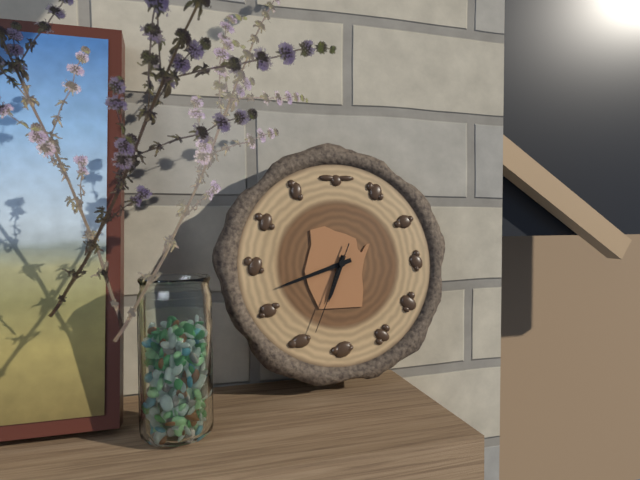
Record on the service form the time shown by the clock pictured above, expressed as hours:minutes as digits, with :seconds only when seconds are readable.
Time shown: 6:42:34
